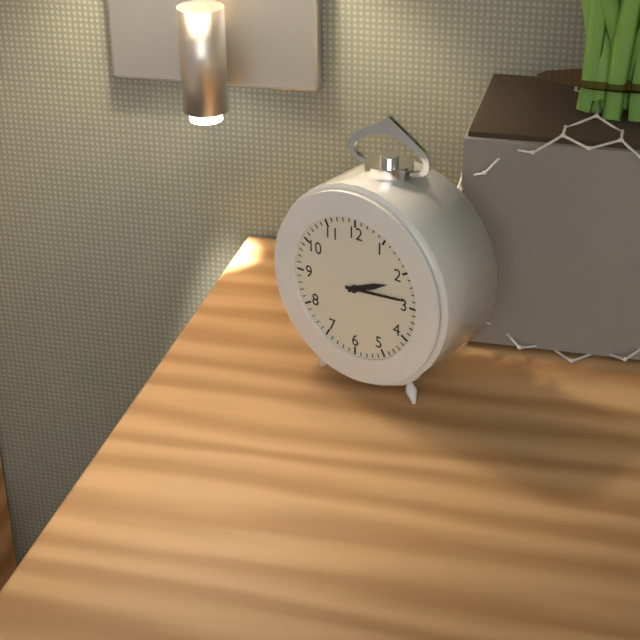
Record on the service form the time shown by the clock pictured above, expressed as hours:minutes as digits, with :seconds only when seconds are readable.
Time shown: 2:14
